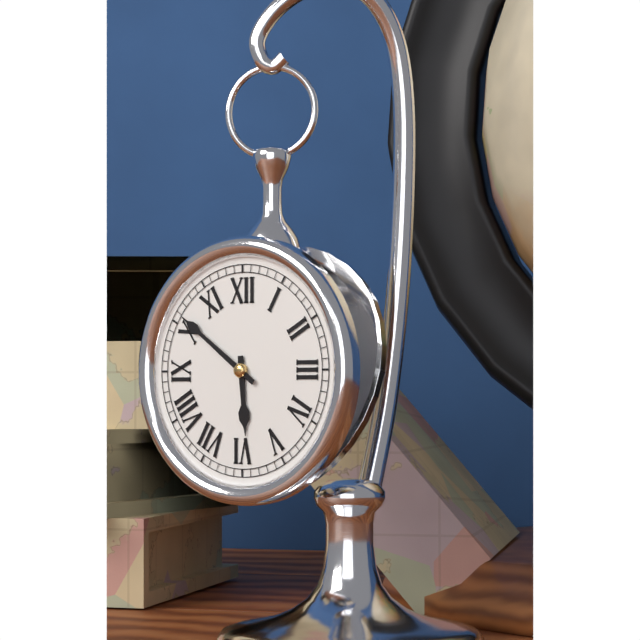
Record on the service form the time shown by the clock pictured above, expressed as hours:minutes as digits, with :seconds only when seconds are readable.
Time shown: 5:51
